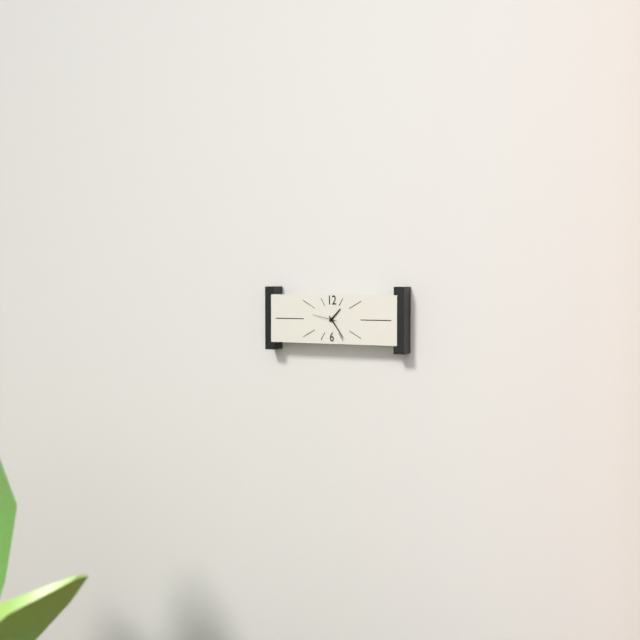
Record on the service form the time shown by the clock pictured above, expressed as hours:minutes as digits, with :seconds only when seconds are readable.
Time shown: 1:24
